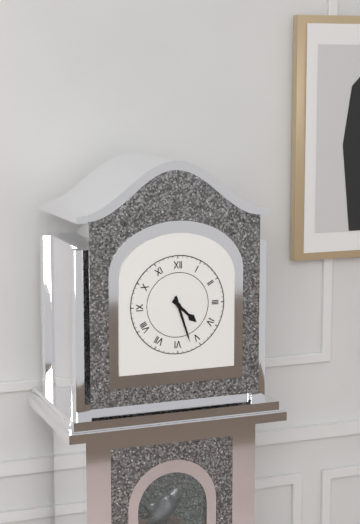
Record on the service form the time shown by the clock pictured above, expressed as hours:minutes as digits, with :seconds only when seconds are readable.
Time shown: 4:27
